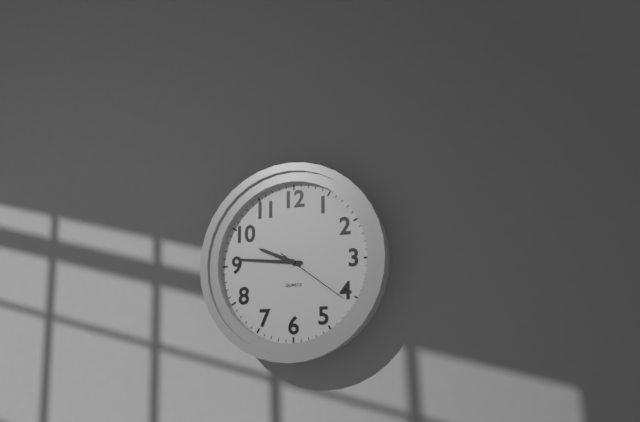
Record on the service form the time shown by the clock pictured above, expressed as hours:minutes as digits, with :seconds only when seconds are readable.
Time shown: 9:46:21
